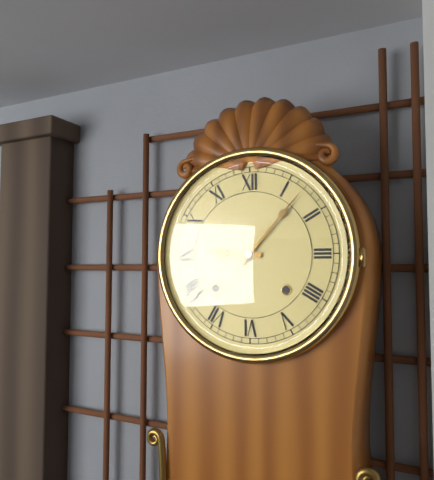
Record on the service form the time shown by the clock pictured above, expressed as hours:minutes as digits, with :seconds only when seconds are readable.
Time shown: 9:07
